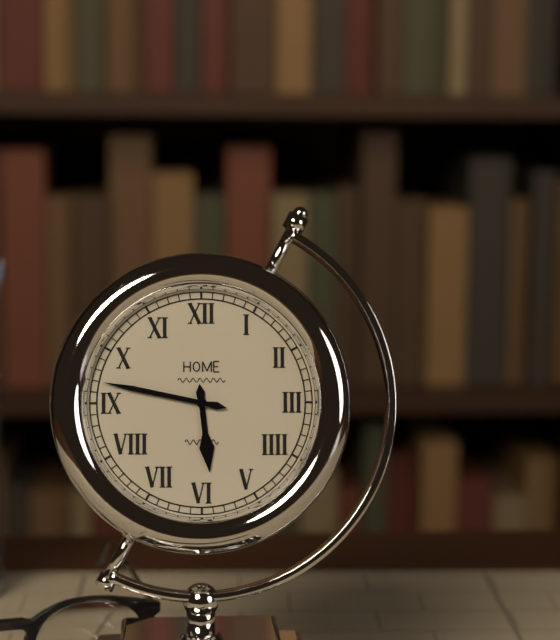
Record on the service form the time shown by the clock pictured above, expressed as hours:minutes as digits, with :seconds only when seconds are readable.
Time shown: 5:47
